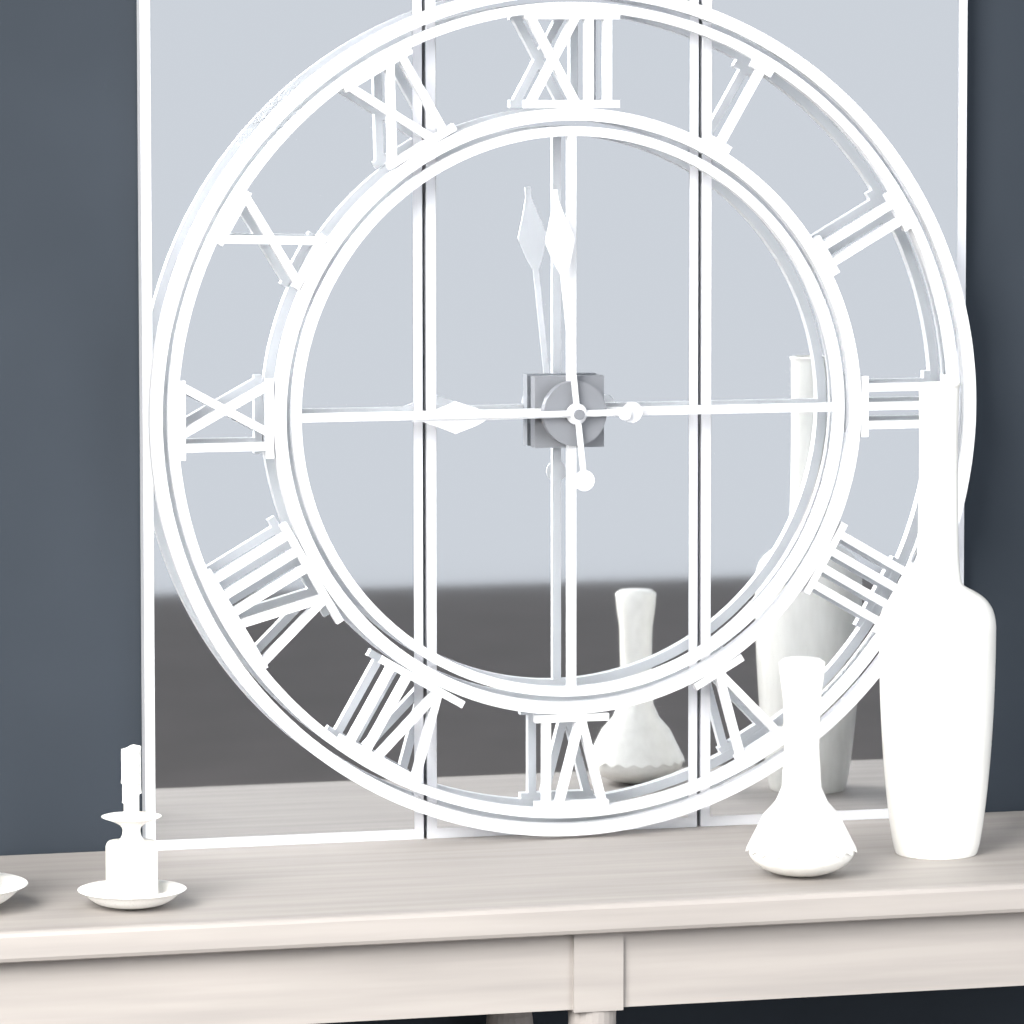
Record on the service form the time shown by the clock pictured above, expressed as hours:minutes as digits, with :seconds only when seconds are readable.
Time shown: 8:59:45
